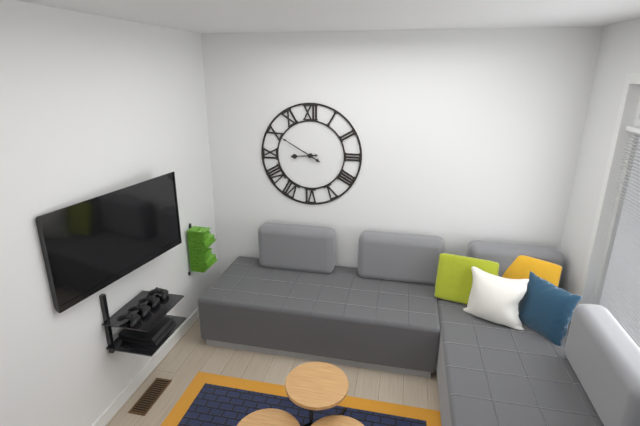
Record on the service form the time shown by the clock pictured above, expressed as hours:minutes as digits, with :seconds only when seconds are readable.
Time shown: 8:50
